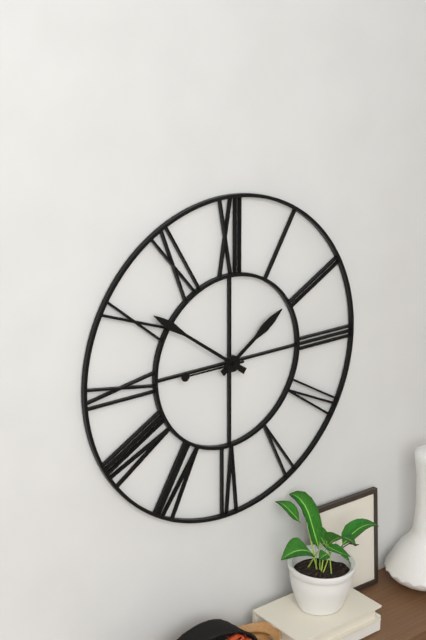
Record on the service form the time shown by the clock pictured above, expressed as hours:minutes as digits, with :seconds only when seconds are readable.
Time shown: 1:51:45
